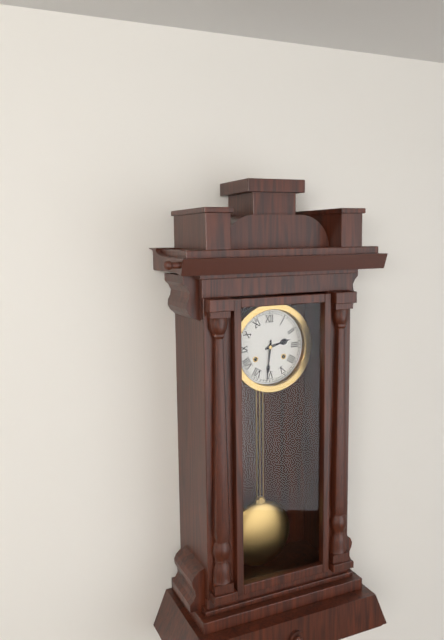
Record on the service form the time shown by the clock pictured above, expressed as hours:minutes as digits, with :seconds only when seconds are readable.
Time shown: 2:31
